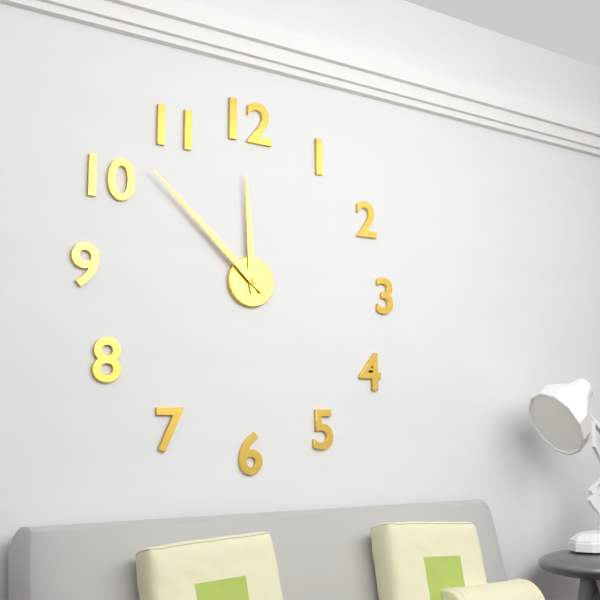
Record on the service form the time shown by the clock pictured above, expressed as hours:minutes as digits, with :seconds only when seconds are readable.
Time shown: 11:52
